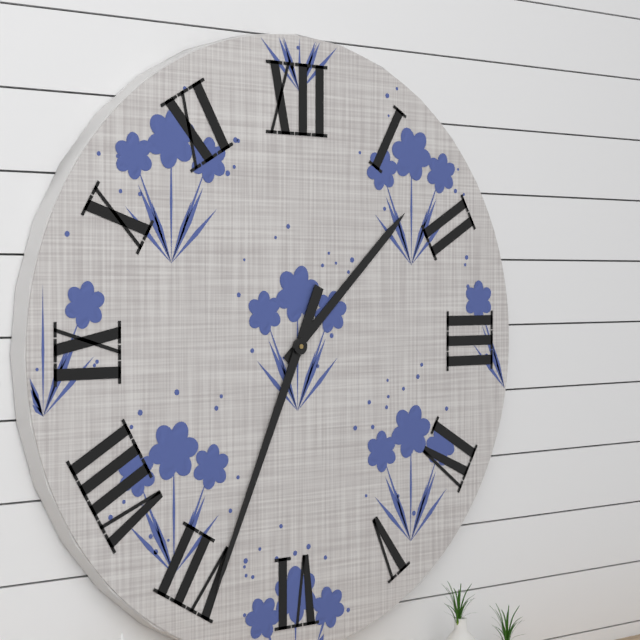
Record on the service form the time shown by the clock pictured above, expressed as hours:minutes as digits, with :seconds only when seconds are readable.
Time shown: 1:34
